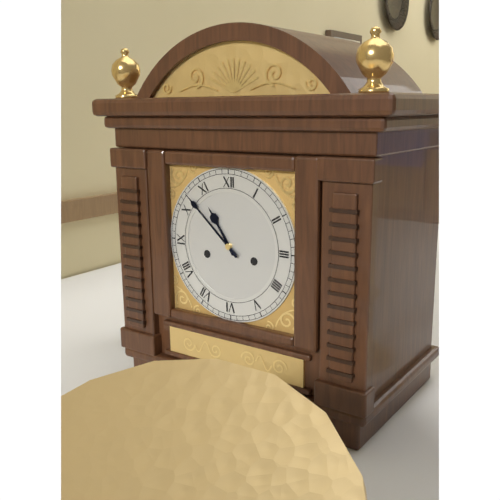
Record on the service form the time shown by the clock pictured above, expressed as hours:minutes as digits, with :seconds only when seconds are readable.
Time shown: 10:52
